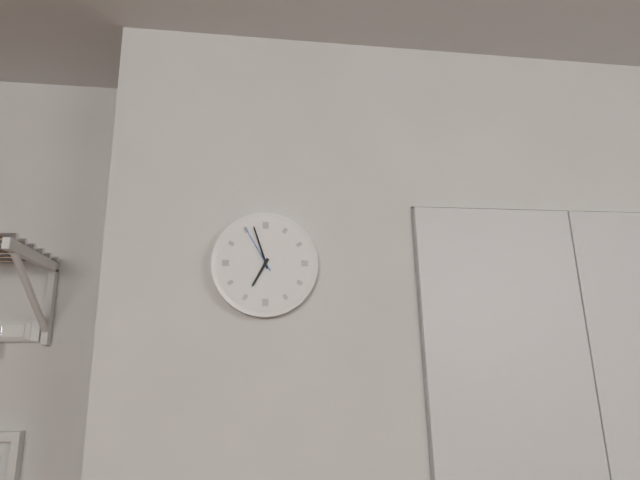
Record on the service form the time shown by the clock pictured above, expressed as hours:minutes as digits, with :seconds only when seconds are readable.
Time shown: 6:57:55
